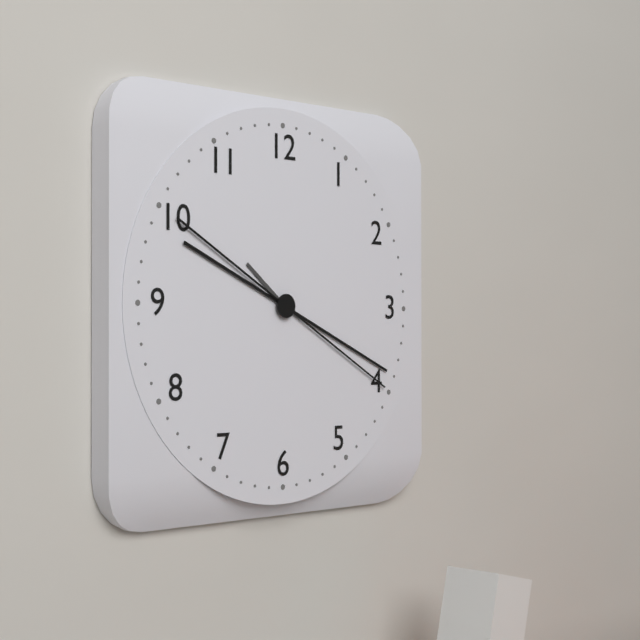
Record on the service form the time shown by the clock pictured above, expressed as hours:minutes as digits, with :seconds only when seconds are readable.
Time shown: 10:19:20
